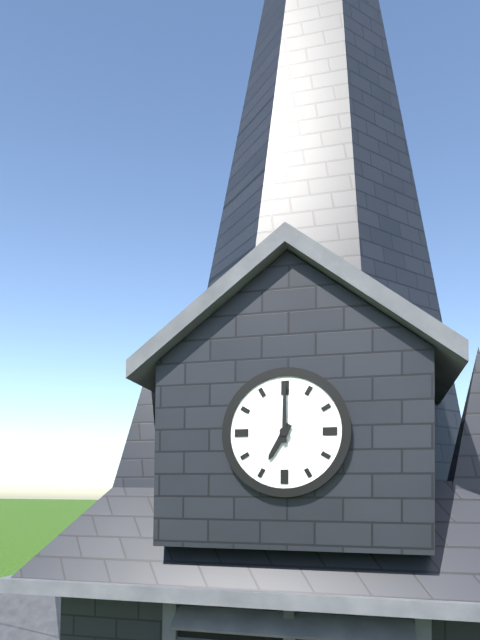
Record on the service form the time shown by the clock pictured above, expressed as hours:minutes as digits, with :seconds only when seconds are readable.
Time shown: 7:00
